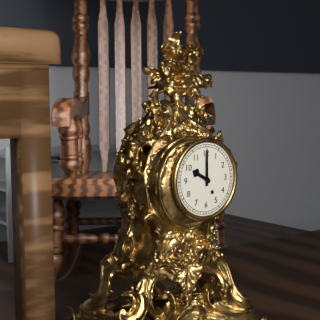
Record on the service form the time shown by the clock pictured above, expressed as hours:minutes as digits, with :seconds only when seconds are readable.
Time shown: 10:00
